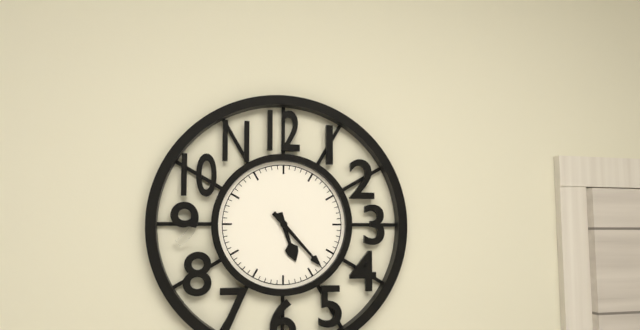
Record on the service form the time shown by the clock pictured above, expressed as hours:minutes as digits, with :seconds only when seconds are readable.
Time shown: 5:23
